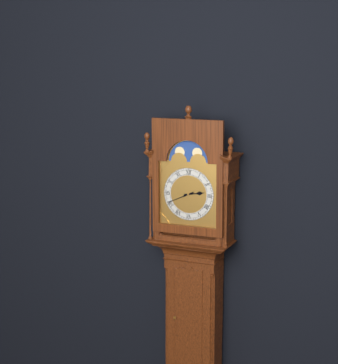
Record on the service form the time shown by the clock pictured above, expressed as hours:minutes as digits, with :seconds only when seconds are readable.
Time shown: 2:41
